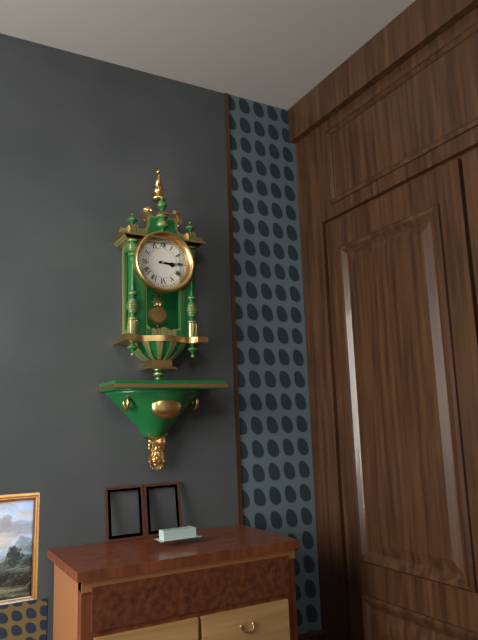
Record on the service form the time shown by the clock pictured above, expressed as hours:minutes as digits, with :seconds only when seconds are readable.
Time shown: 3:15
